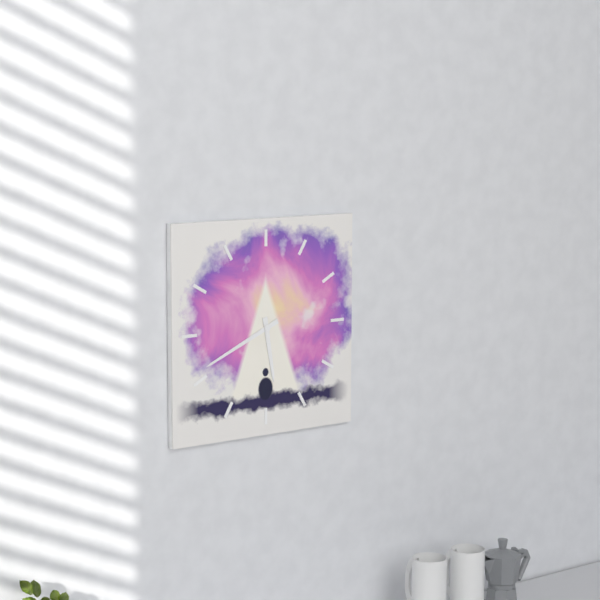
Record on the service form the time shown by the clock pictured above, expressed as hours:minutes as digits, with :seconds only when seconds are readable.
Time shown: 5:41
